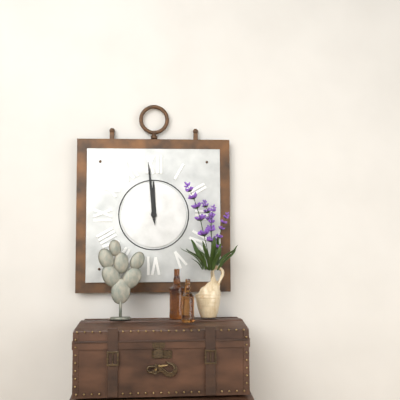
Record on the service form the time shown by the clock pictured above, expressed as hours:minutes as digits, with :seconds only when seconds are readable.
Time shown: 11:59
